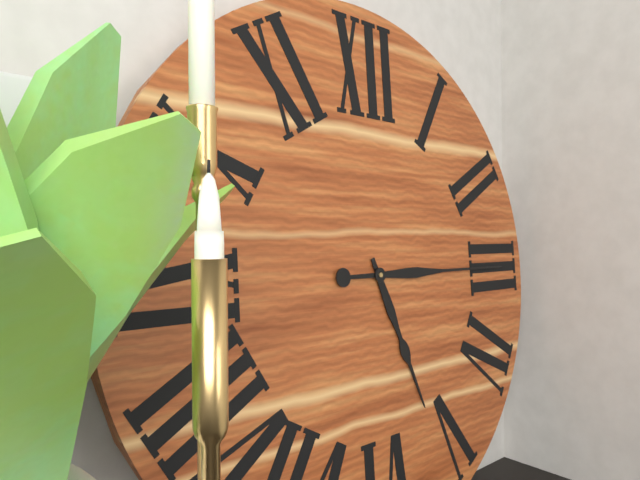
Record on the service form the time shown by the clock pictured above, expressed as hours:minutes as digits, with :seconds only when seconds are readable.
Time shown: 5:15
